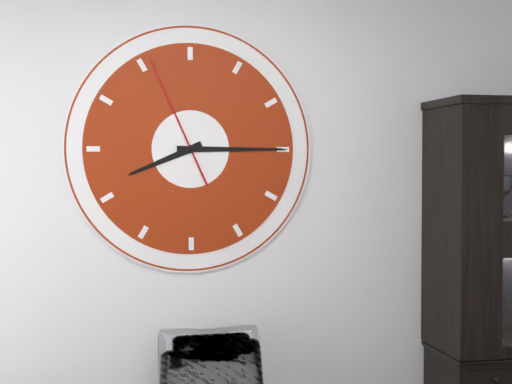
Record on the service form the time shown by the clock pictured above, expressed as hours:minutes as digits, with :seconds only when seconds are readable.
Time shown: 8:15:56
